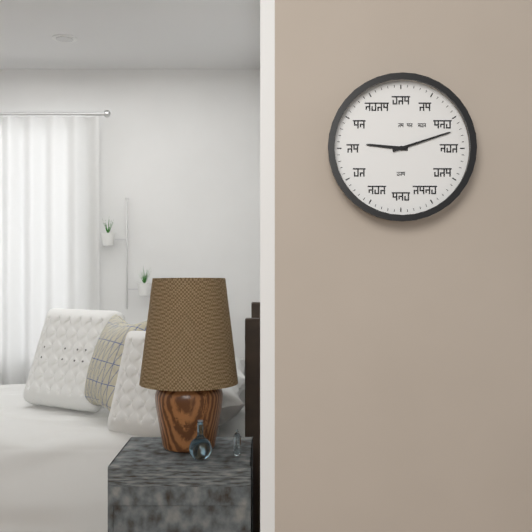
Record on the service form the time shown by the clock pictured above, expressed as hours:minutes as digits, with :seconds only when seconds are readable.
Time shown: 9:12
